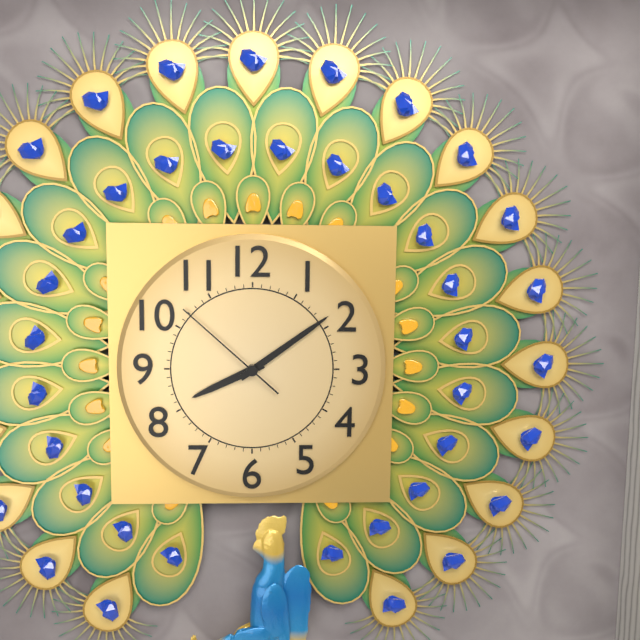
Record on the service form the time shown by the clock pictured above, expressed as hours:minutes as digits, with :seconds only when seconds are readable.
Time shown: 8:09:52
